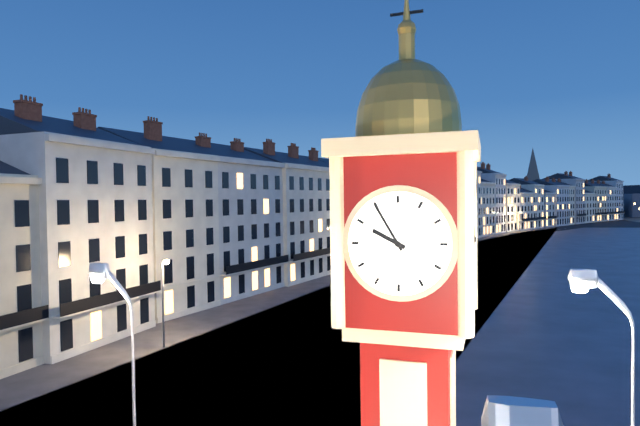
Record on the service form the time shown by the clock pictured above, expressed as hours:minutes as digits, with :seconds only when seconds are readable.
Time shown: 9:55
